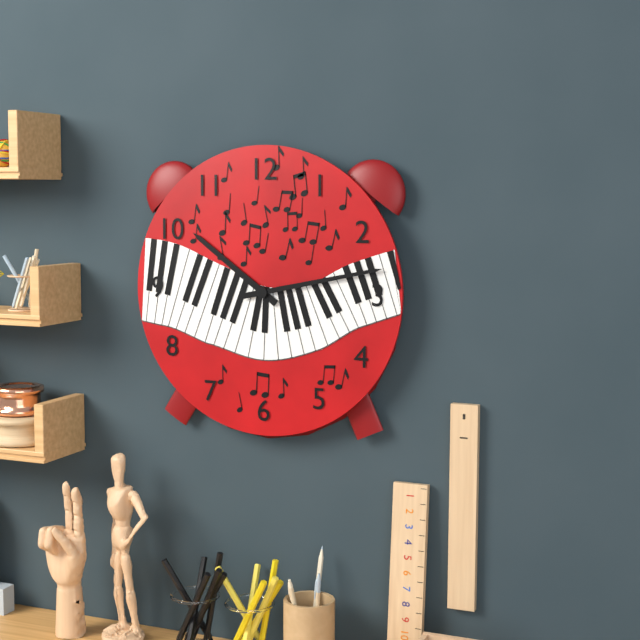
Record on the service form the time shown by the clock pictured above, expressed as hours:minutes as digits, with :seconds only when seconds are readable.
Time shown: 10:13
